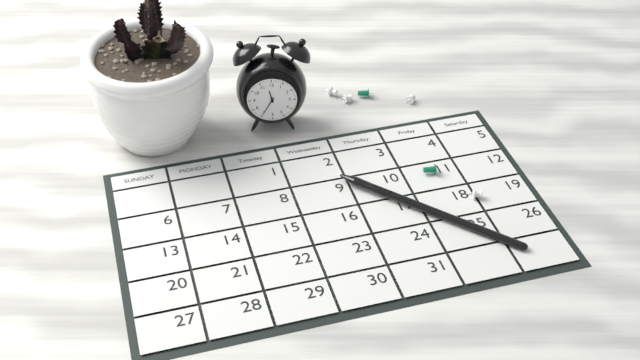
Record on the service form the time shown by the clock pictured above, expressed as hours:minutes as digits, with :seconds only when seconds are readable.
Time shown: 11:35
